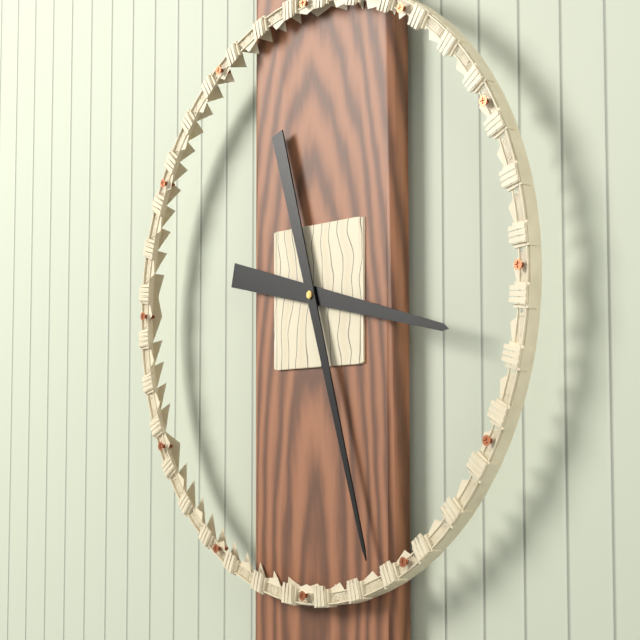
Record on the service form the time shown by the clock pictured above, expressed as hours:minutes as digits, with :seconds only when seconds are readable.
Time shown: 3:27
